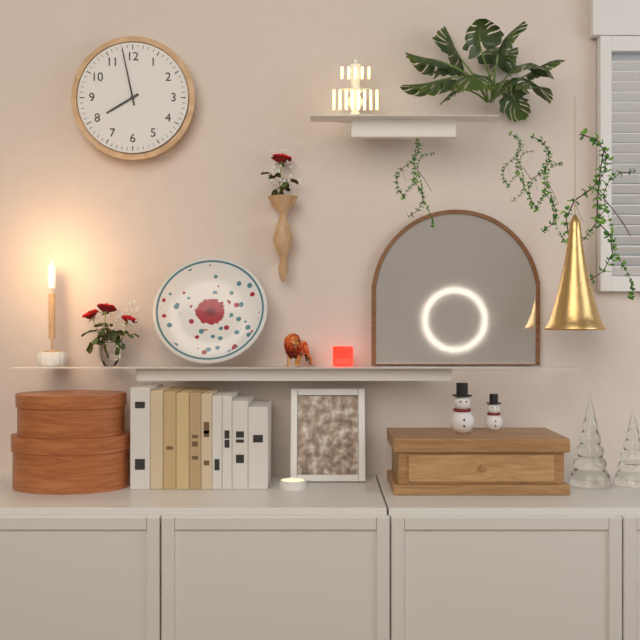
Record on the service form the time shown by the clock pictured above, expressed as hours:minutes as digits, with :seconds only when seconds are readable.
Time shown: 7:58
